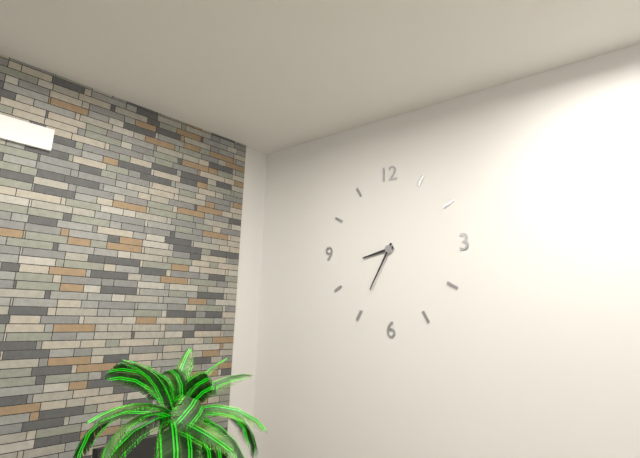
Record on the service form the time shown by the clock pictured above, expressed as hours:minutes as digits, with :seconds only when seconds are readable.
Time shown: 8:35
